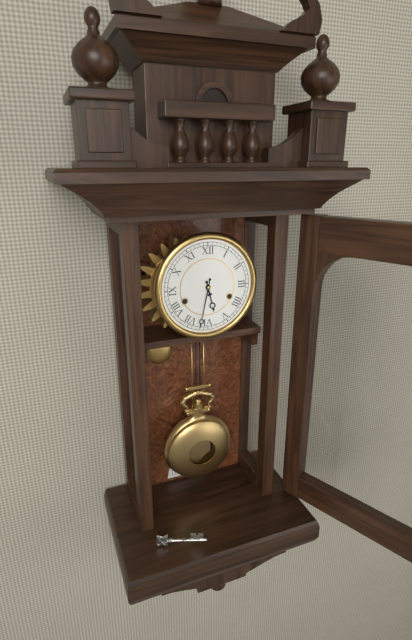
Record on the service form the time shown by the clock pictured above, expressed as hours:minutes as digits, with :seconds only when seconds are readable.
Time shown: 5:32
